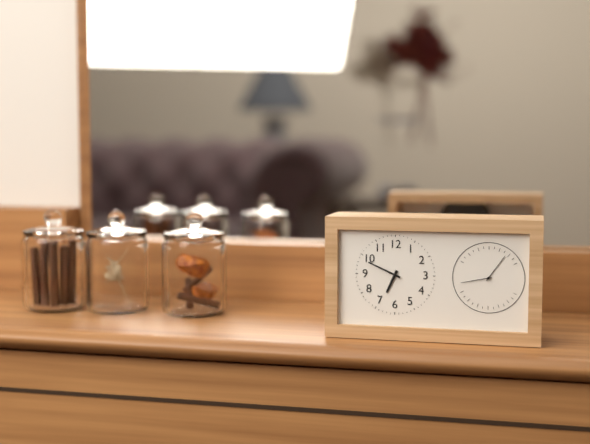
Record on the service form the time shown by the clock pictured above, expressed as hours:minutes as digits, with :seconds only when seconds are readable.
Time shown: 6:49
